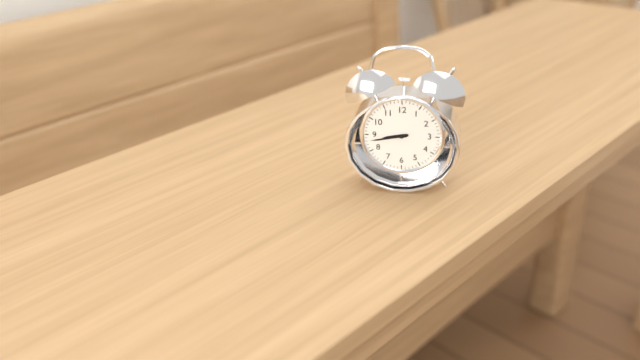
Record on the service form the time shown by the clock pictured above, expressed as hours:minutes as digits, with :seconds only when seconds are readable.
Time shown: 8:43
